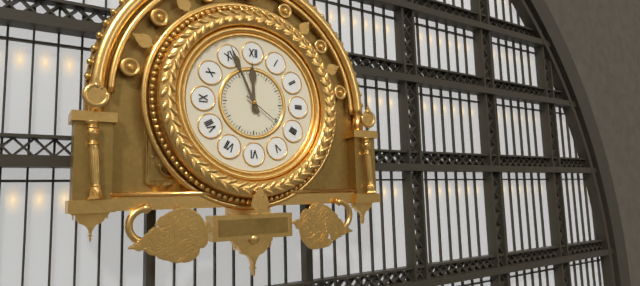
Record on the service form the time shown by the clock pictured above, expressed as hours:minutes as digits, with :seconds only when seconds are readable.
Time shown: 11:56
